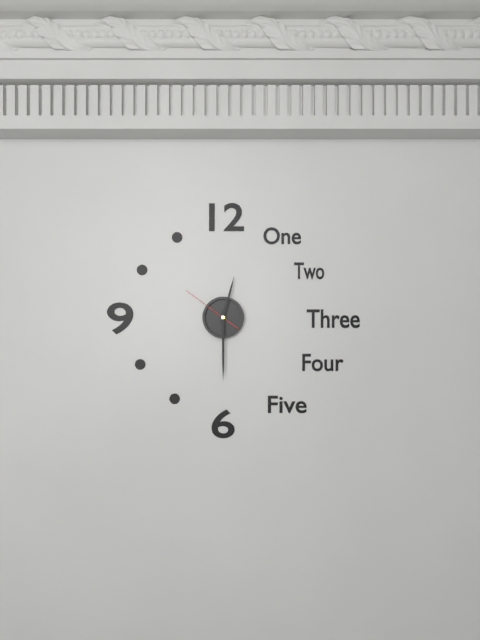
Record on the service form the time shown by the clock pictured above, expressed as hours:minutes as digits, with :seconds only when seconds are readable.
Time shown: 12:30:51
